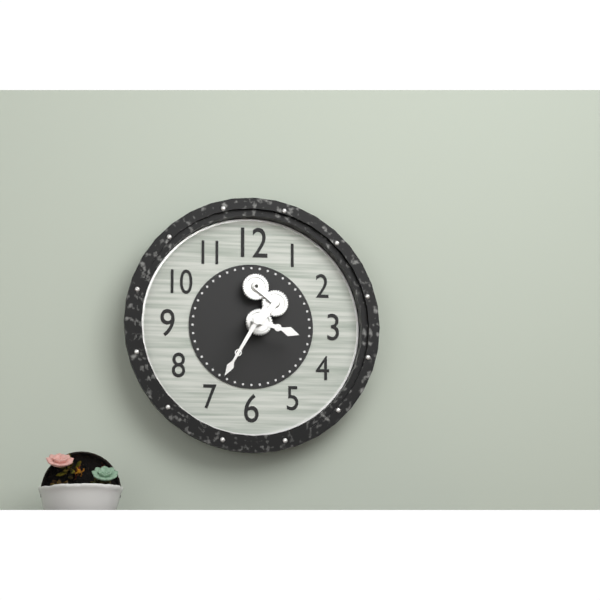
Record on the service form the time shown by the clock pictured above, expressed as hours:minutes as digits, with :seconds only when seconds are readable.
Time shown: 3:35
